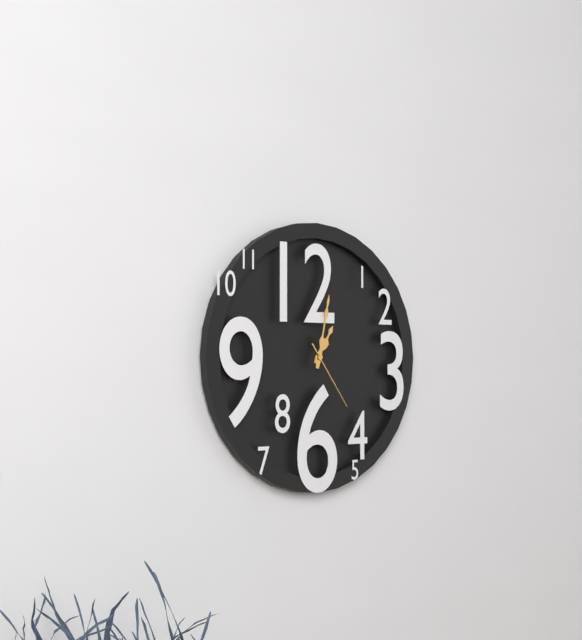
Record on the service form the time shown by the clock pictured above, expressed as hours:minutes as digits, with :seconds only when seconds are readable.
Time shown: 1:02:24
